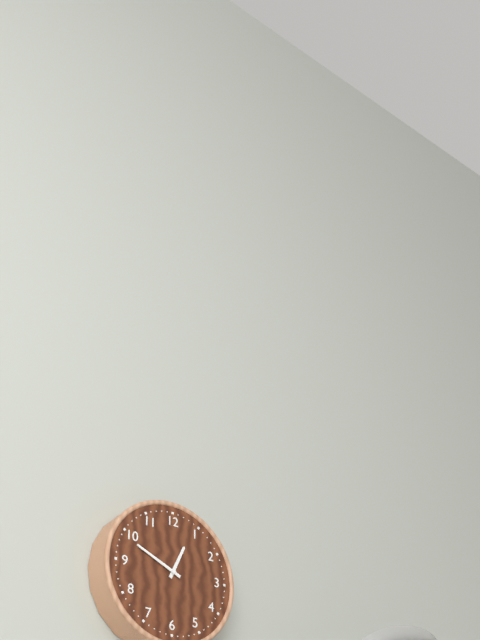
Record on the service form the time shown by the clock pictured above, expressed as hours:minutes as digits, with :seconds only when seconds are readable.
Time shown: 12:49
